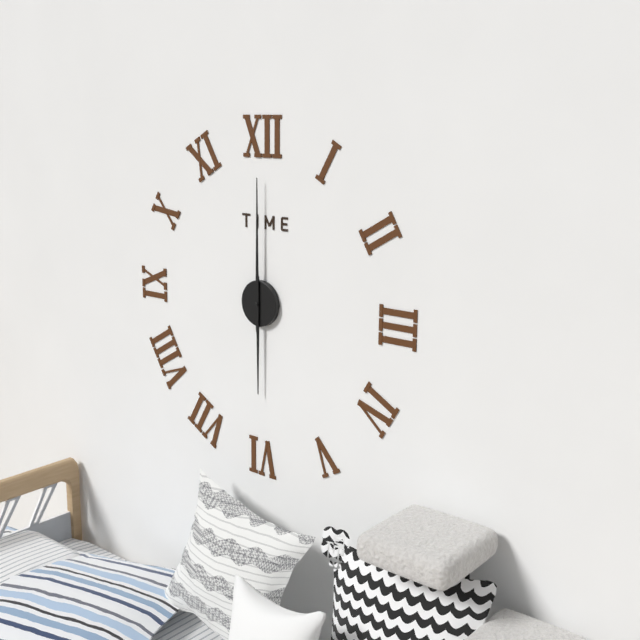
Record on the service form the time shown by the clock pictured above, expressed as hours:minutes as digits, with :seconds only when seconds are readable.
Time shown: 6:00
